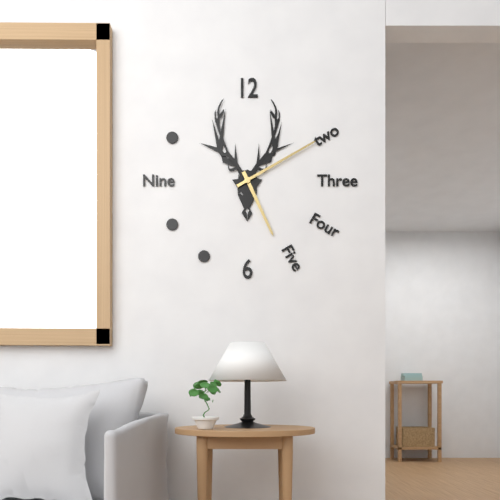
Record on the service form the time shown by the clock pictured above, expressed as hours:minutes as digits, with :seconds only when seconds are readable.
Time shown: 5:10
